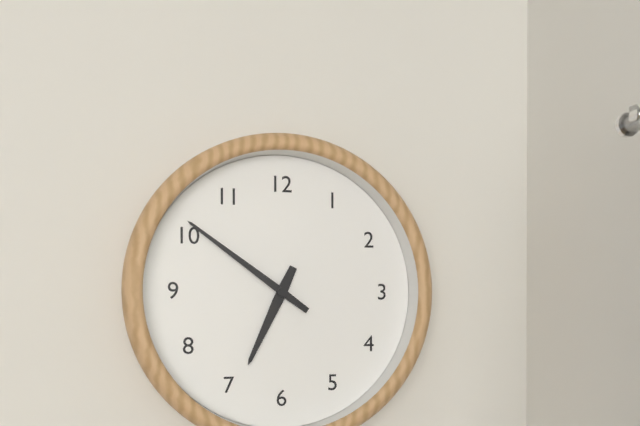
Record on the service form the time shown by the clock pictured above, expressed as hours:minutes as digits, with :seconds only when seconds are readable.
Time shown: 6:51
